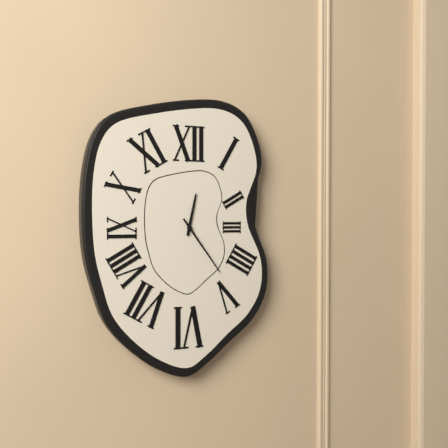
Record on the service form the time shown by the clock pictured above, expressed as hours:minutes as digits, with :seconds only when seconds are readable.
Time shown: 12:24
